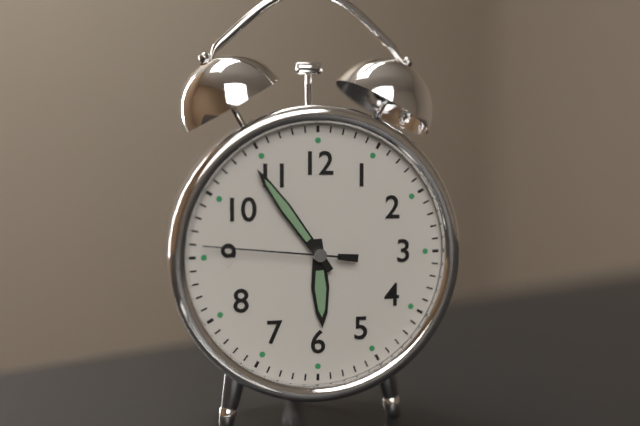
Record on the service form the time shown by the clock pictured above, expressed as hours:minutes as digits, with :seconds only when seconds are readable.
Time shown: 5:54:46
